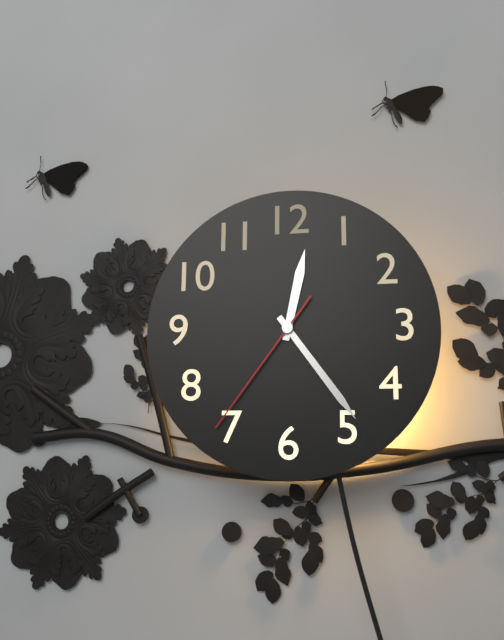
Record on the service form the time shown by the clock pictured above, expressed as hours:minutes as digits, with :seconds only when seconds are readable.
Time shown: 12:24:36
